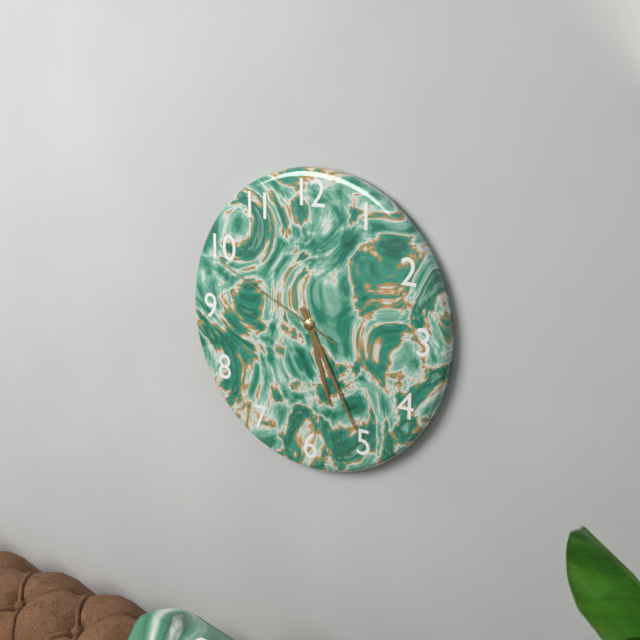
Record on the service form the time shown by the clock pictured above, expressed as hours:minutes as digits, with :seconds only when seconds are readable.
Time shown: 5:25:49
